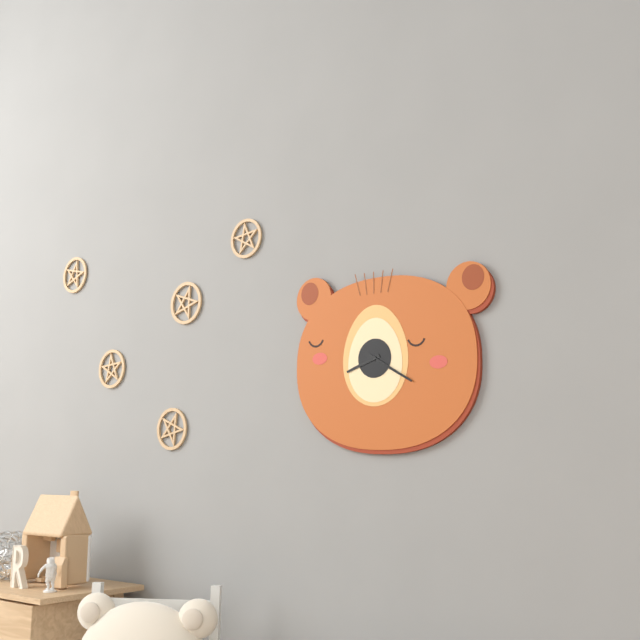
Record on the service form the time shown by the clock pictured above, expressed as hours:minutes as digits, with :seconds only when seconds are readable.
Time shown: 8:20
